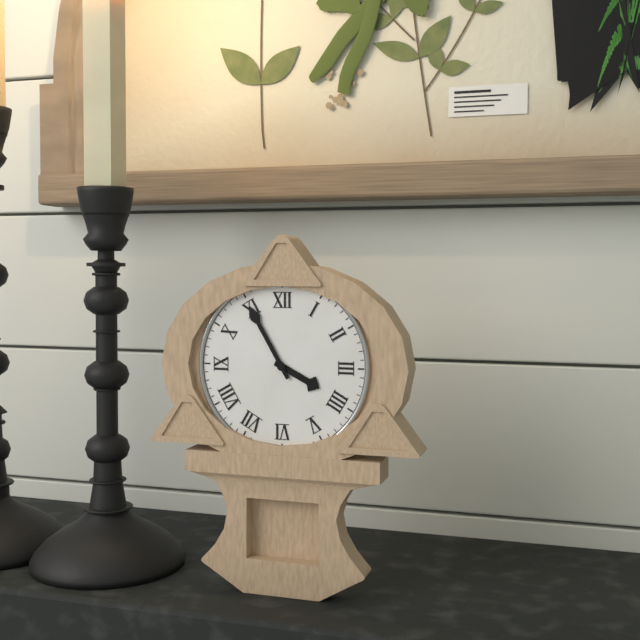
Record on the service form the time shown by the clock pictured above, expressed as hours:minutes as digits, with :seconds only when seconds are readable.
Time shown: 3:55
